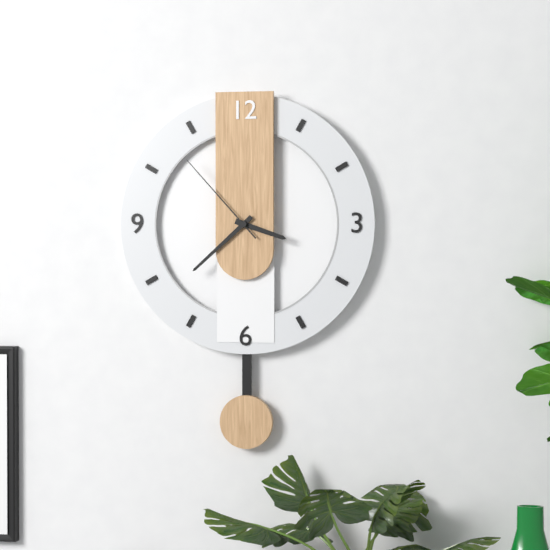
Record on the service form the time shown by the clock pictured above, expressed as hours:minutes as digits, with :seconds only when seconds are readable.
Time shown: 3:38:53
